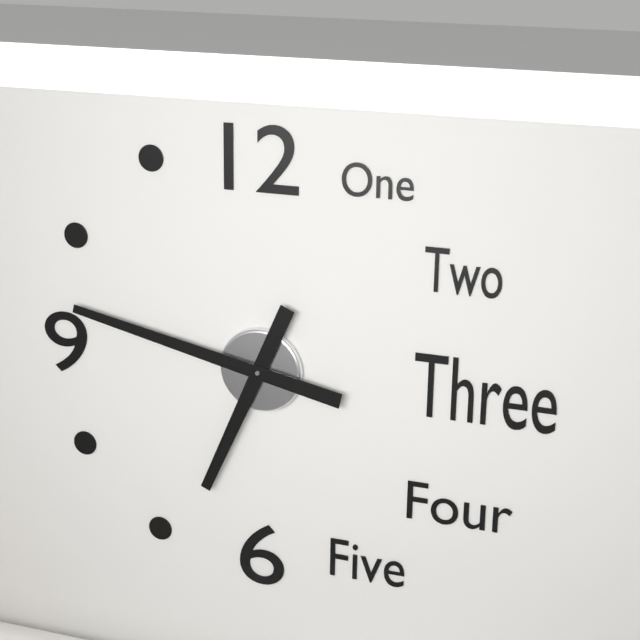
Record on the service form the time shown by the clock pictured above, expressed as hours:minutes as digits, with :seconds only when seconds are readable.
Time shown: 6:47
